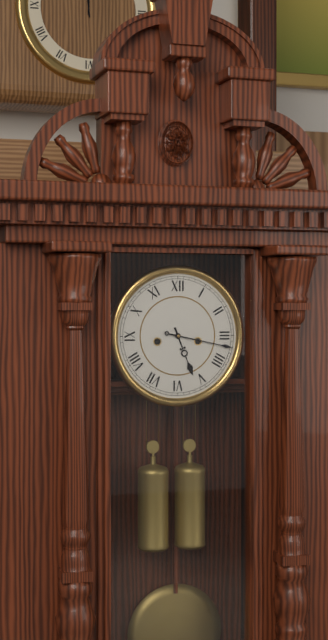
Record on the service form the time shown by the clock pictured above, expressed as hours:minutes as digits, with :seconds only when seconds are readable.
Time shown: 5:17
